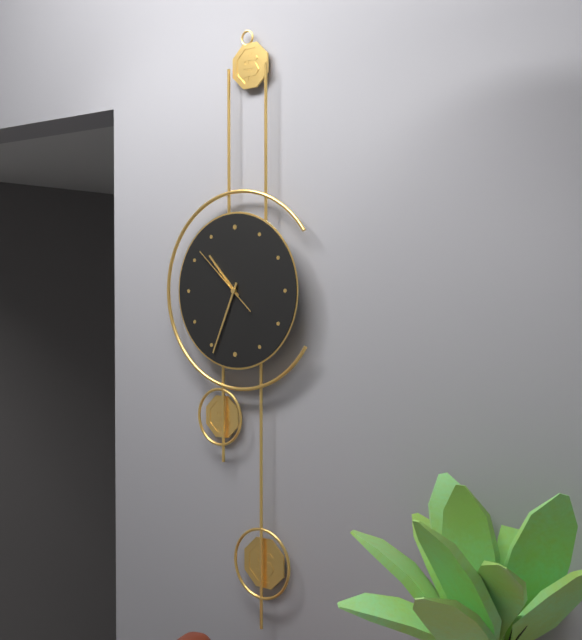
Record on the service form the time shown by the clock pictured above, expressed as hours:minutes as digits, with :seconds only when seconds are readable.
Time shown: 10:34:52
